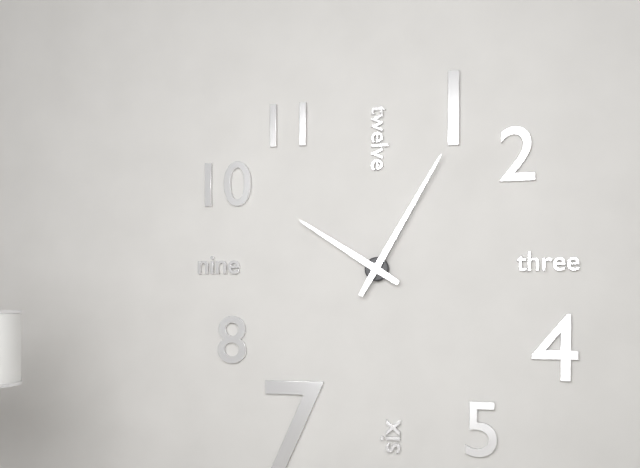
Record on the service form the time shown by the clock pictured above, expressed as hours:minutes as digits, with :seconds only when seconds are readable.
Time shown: 10:05
